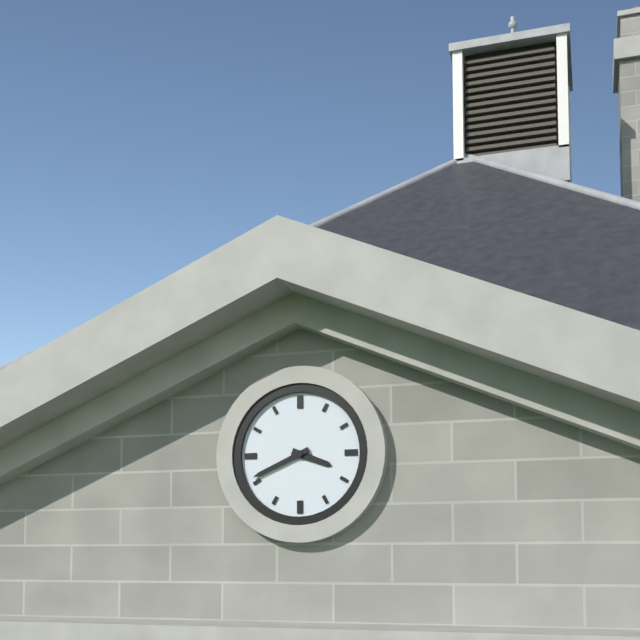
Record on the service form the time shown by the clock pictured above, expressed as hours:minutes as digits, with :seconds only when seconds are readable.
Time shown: 3:41
